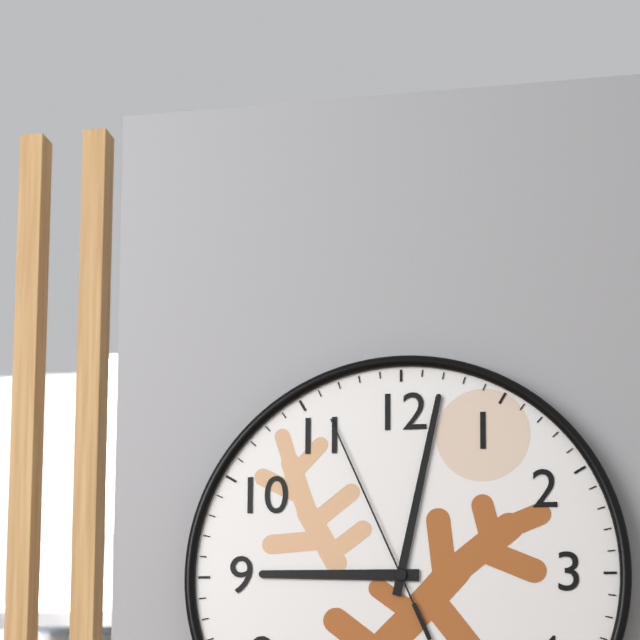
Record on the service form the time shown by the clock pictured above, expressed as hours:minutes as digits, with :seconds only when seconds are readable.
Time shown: 9:02:56
